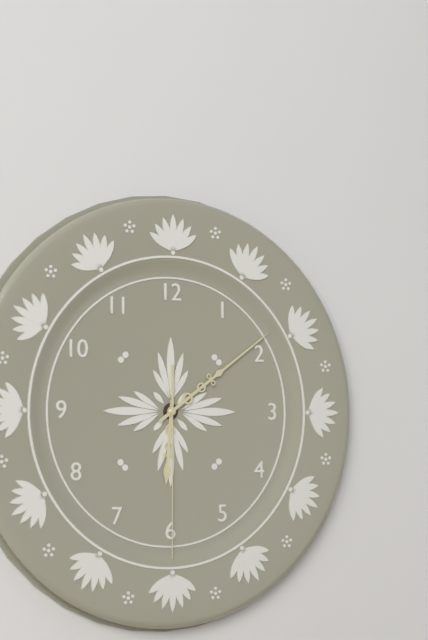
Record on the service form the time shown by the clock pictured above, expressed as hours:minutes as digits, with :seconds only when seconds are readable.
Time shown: 6:09:30
